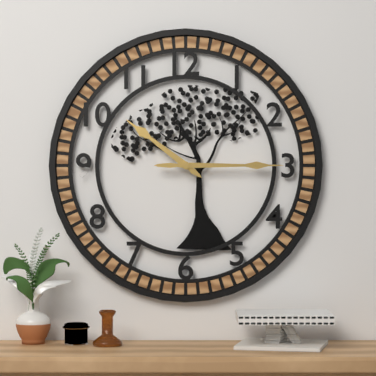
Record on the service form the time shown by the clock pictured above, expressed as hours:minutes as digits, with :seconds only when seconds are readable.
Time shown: 10:15
